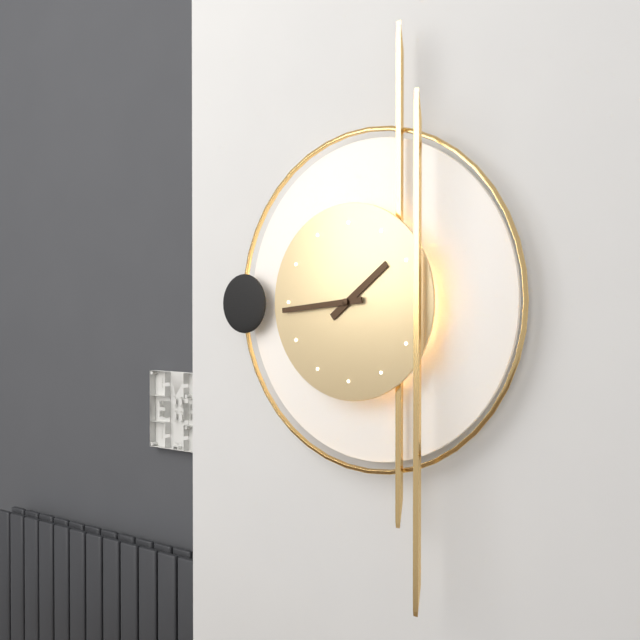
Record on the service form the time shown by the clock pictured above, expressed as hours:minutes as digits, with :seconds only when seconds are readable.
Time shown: 1:44
